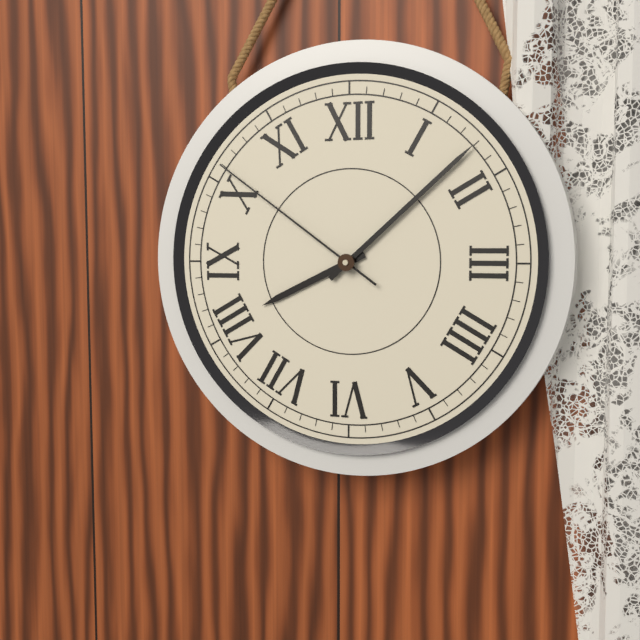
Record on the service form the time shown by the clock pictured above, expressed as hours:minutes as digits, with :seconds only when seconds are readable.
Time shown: 8:08:51
